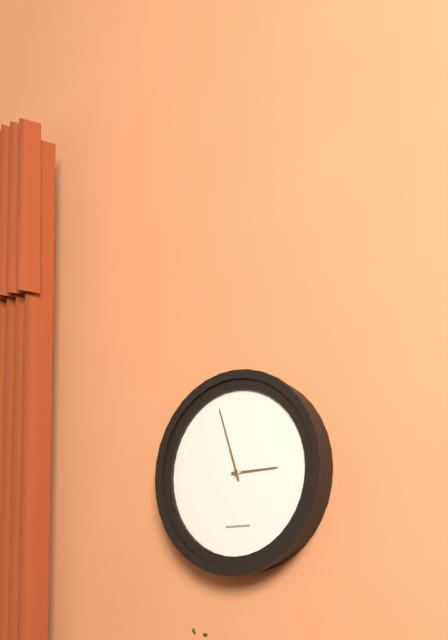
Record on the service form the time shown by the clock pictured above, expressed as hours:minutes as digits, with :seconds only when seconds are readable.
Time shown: 2:57
